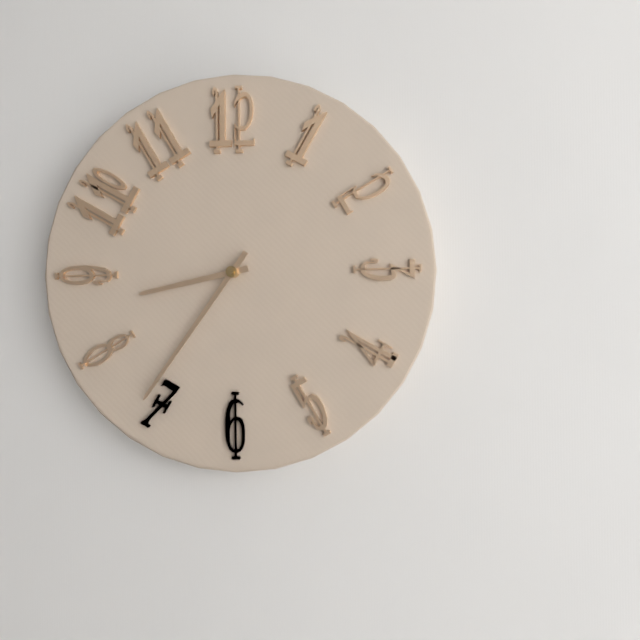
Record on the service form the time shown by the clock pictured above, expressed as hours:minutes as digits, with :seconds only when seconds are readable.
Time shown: 8:36
